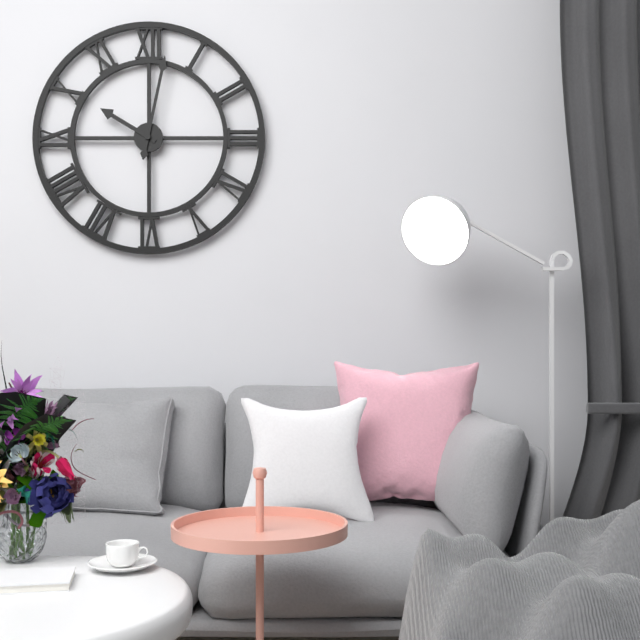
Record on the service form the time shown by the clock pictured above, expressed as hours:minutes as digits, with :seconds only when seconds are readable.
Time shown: 10:02
